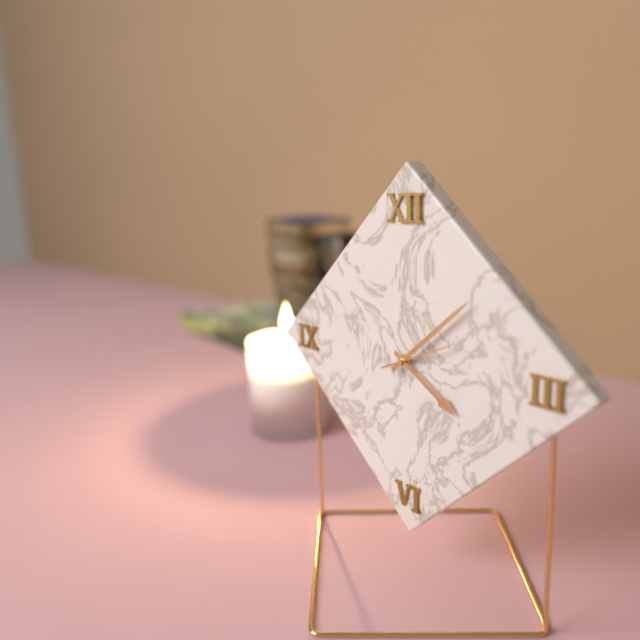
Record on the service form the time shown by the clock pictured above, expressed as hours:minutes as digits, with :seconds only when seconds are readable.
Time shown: 4:08:11
